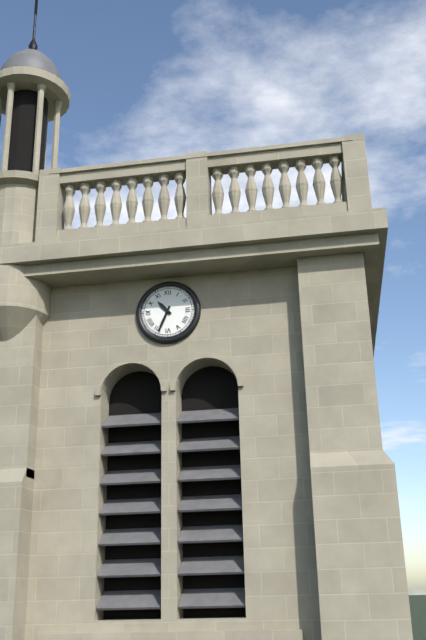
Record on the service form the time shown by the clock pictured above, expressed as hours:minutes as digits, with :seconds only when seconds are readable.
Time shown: 10:34
